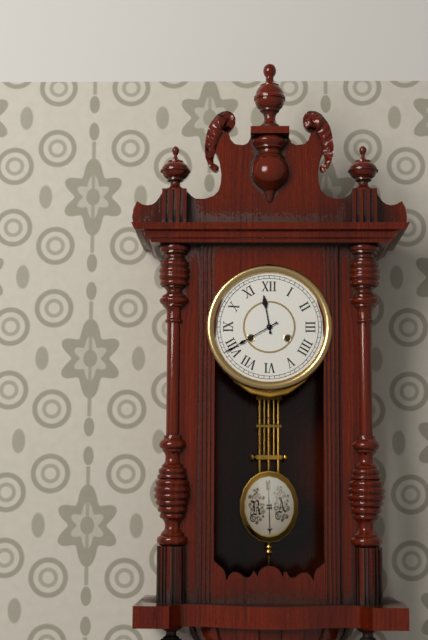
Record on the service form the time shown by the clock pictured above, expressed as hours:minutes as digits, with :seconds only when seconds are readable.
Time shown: 11:40
